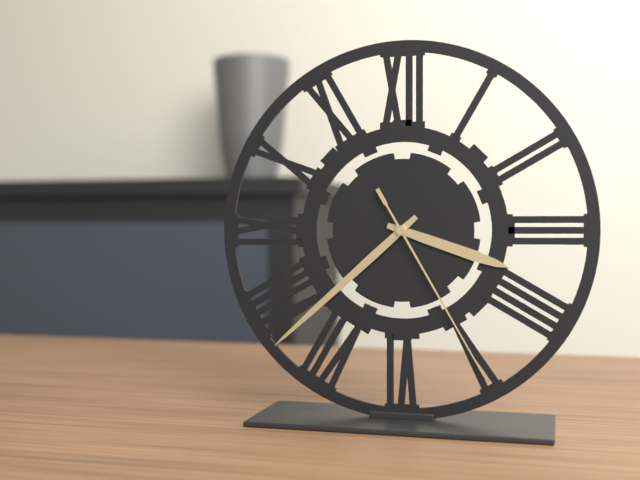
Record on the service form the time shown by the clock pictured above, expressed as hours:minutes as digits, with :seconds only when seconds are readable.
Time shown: 3:38:25
